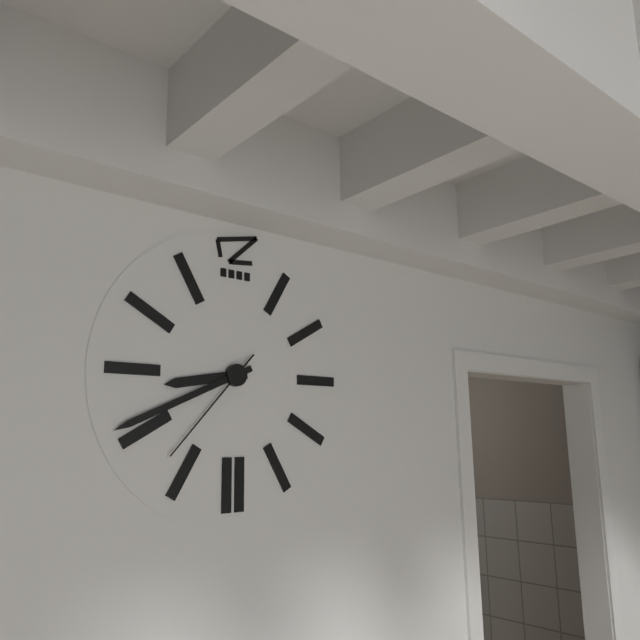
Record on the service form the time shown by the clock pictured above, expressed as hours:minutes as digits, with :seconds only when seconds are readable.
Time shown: 8:41:37
